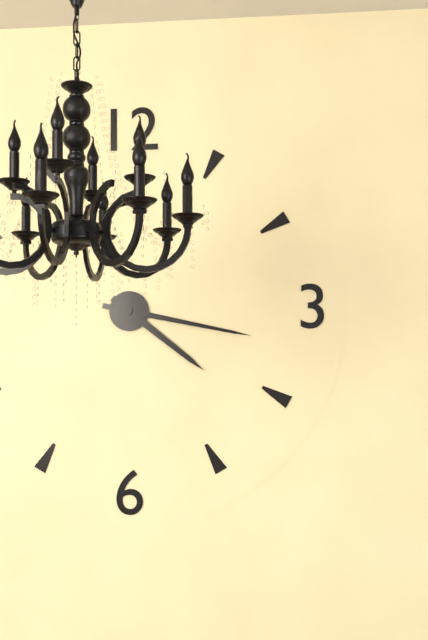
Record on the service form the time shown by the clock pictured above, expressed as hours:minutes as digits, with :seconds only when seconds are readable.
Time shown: 4:17
